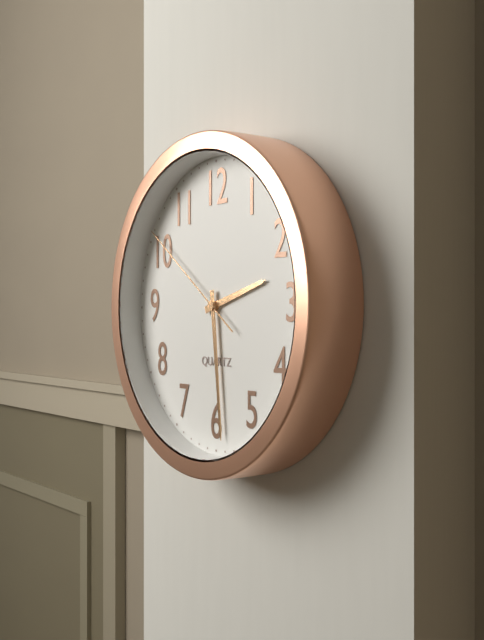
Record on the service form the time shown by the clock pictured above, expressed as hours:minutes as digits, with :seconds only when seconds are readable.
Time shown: 2:29:51
